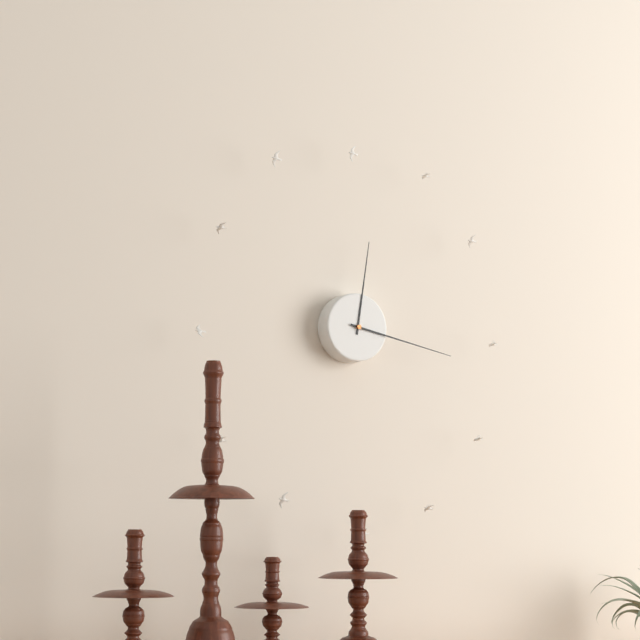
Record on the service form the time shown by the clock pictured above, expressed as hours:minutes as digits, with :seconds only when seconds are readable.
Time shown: 12:17
